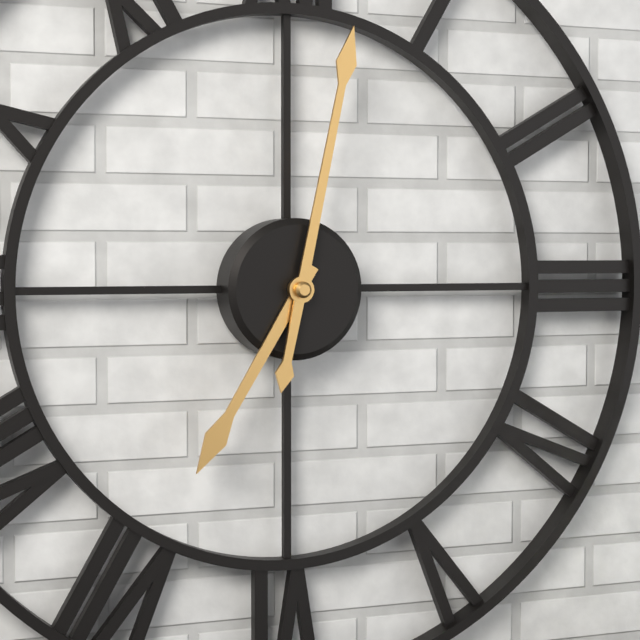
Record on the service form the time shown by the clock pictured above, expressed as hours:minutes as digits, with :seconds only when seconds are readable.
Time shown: 7:02
